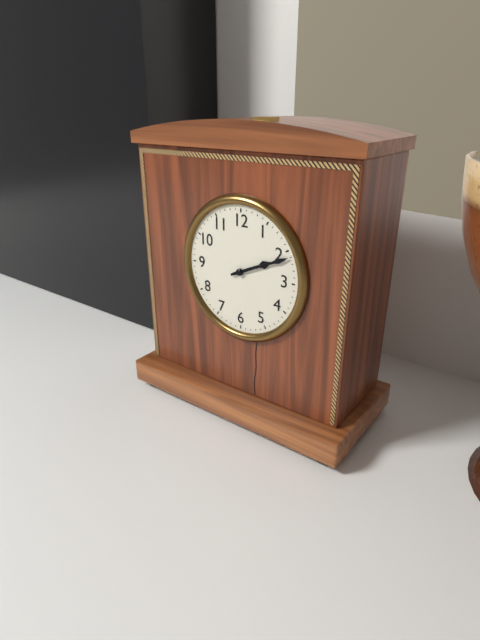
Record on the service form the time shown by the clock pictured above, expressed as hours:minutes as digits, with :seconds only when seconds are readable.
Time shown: 2:11
